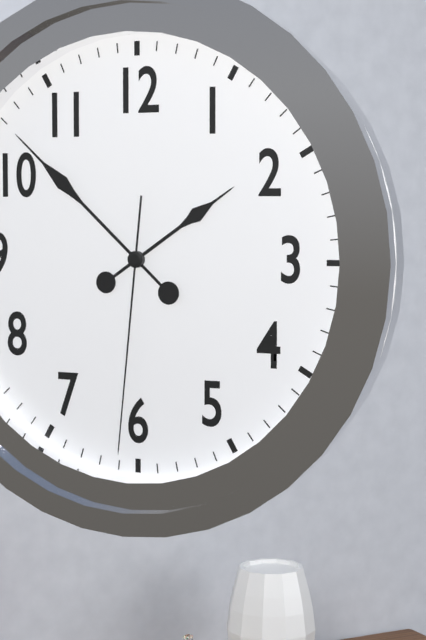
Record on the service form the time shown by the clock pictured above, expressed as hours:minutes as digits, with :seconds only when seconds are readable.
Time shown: 1:52:31
